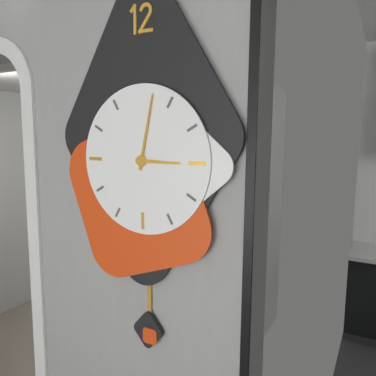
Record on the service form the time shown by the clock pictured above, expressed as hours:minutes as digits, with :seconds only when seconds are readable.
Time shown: 3:02
